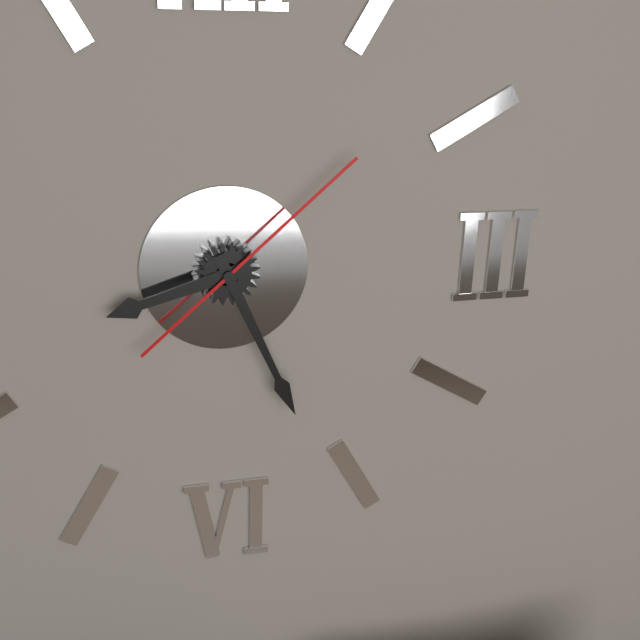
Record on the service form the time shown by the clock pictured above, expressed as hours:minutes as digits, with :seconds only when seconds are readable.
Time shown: 8:26:08
